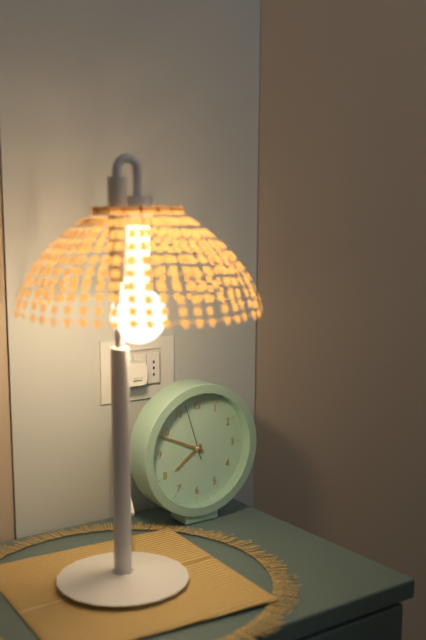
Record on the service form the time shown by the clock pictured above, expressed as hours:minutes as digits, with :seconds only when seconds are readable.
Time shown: 7:49:57
